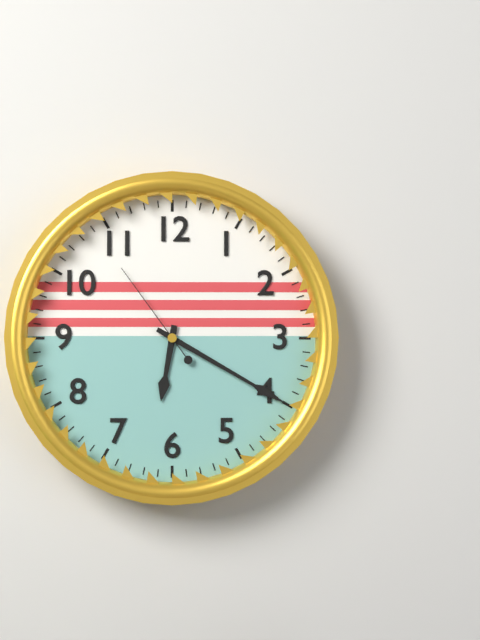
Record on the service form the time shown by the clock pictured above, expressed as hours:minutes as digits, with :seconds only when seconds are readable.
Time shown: 6:20:54
